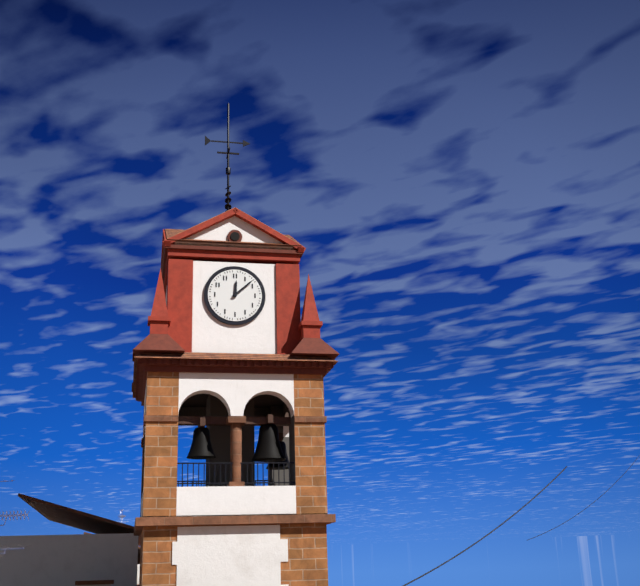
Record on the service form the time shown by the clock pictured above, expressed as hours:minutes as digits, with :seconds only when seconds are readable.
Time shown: 12:08
